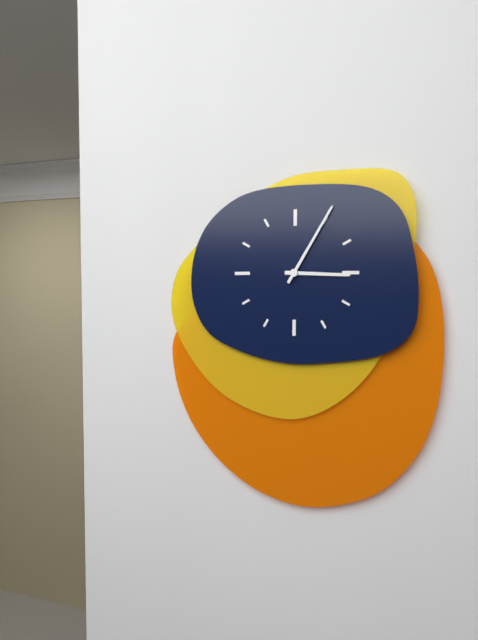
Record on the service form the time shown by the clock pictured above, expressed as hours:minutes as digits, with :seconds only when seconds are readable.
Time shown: 3:05
